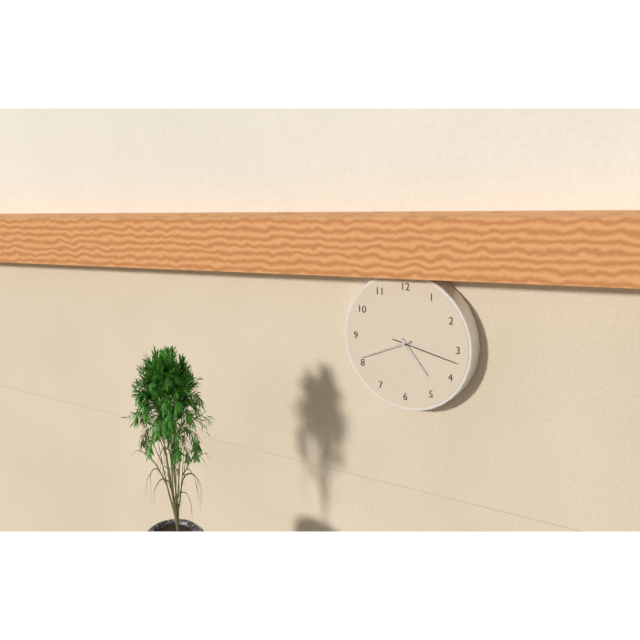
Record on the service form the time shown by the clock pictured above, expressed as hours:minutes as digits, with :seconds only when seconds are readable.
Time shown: 4:41:17
